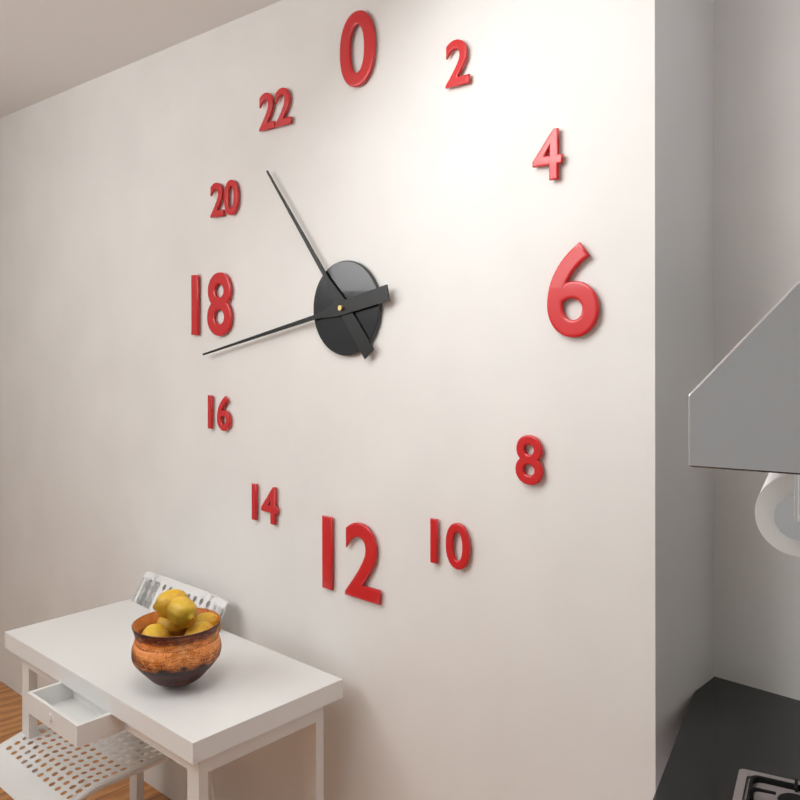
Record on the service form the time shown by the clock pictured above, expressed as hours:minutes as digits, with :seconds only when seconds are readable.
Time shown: 10:43
